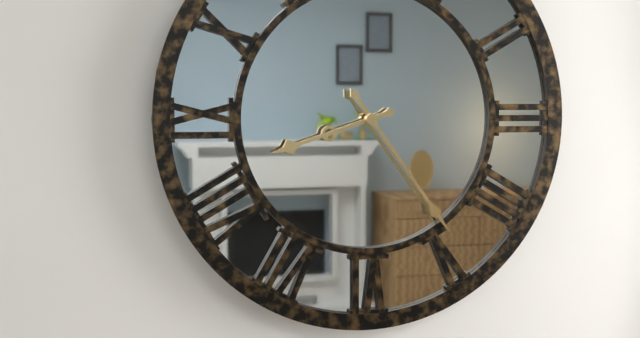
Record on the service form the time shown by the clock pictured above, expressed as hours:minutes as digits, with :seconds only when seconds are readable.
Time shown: 8:24
